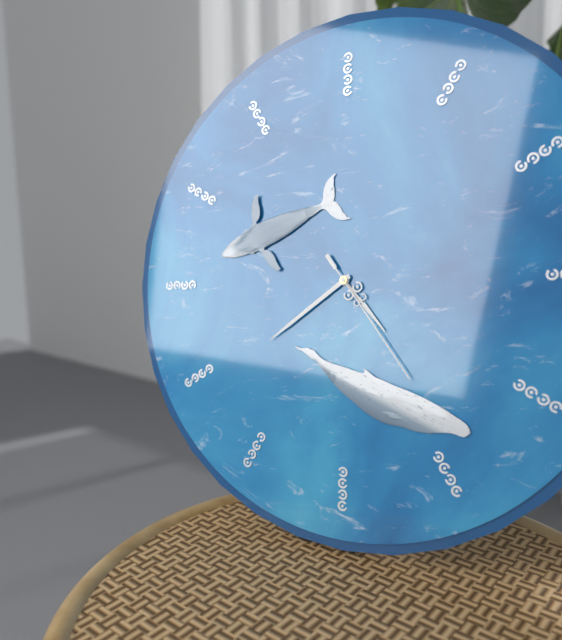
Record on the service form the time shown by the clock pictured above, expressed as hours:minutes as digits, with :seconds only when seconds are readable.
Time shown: 4:39:24
